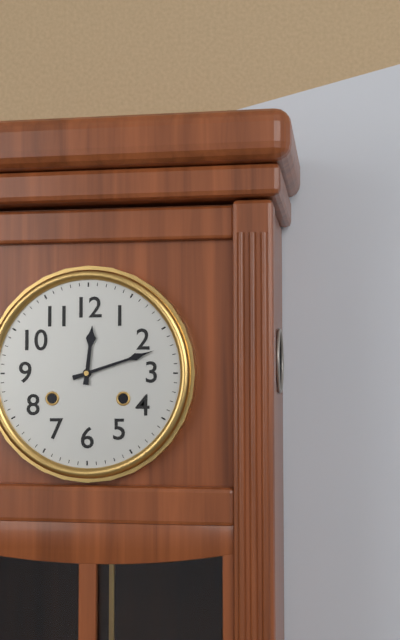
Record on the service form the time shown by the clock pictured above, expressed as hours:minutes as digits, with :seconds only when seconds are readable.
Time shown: 12:12
